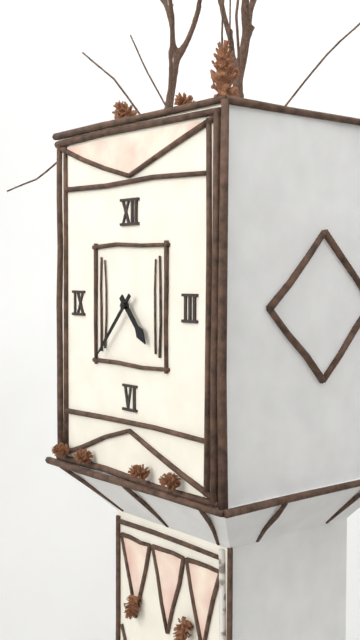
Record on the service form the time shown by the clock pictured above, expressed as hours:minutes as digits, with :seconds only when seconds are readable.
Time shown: 4:37
